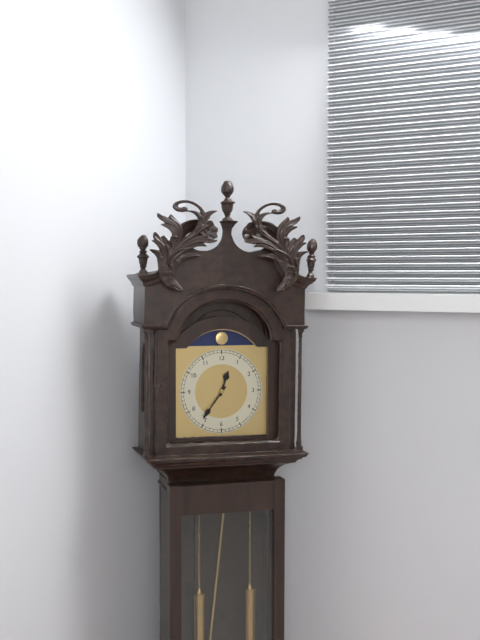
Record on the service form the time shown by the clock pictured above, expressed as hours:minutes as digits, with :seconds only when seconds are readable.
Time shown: 12:36
